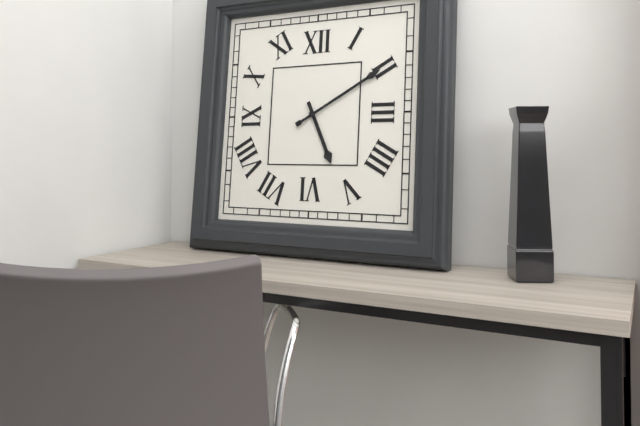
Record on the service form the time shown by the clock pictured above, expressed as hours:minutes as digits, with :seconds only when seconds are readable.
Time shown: 5:10
